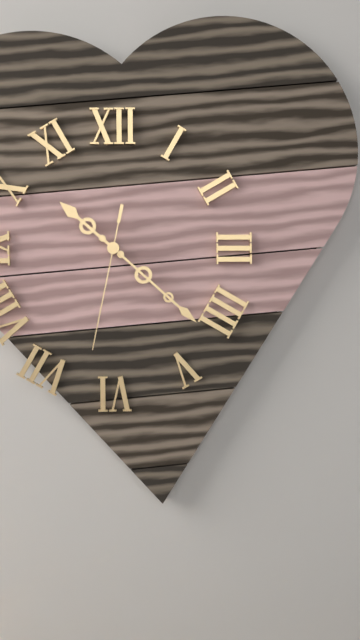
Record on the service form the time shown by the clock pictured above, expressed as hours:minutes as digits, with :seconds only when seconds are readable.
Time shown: 10:22:32
